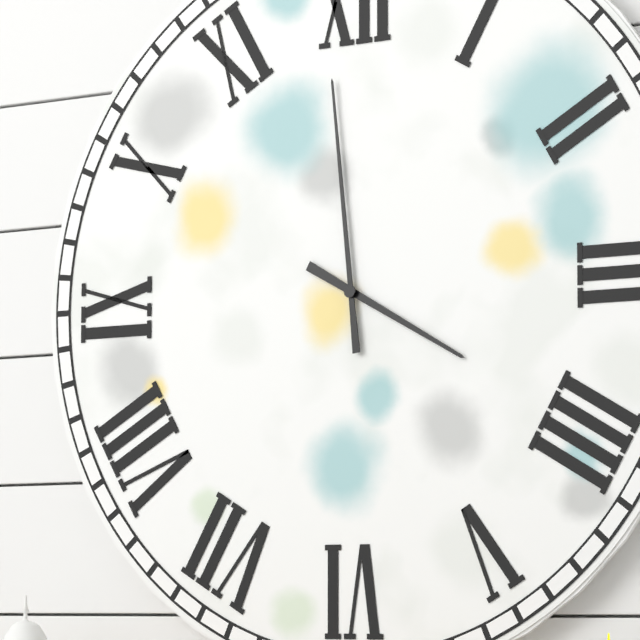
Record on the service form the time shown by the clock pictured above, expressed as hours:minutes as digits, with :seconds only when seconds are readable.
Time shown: 3:59
